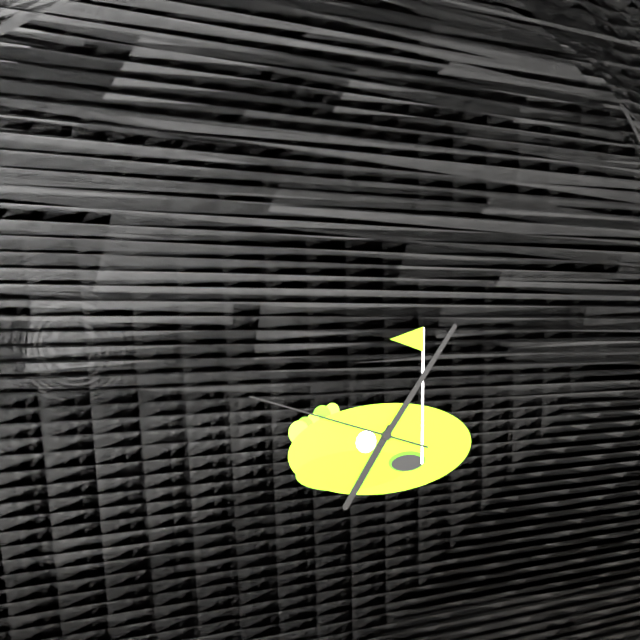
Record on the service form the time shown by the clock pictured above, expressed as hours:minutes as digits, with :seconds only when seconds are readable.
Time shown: 7:06:48
